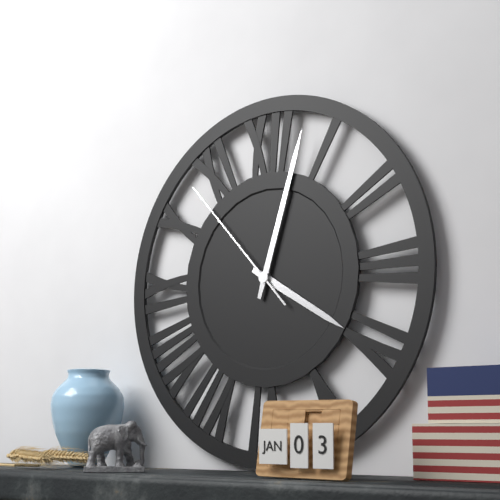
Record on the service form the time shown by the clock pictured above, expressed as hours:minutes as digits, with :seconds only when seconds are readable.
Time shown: 4:03:53
